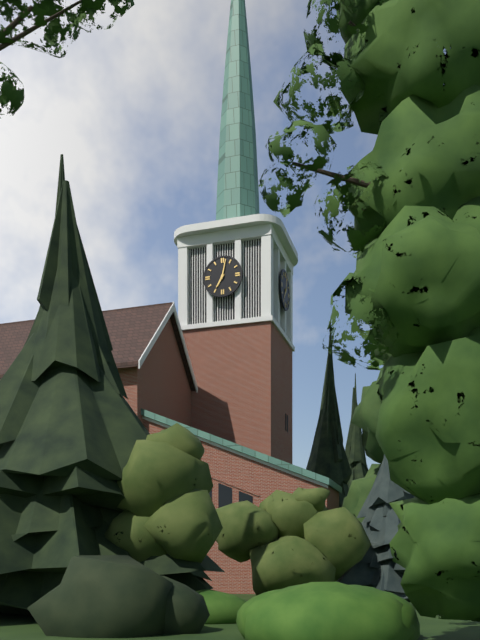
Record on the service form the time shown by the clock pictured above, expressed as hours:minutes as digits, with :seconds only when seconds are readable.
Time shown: 7:02
